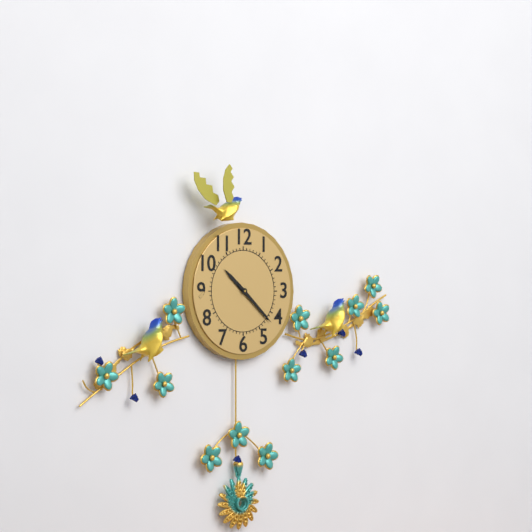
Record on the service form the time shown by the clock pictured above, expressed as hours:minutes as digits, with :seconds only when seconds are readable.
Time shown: 10:22
